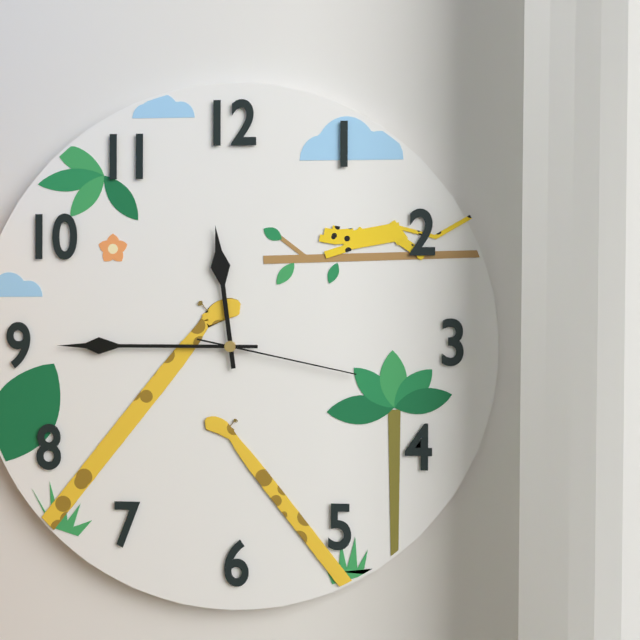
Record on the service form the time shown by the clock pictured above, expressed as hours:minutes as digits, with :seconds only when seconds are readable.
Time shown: 11:45:17
